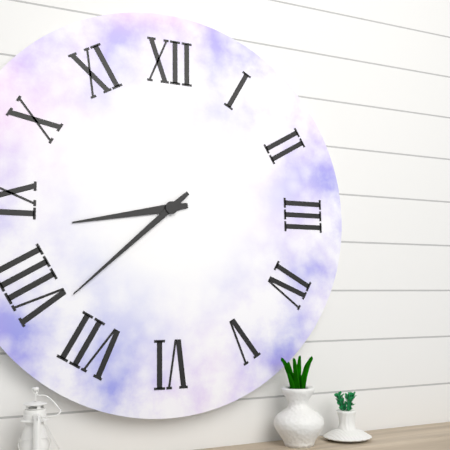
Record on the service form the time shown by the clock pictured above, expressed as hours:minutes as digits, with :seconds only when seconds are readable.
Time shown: 8:38
